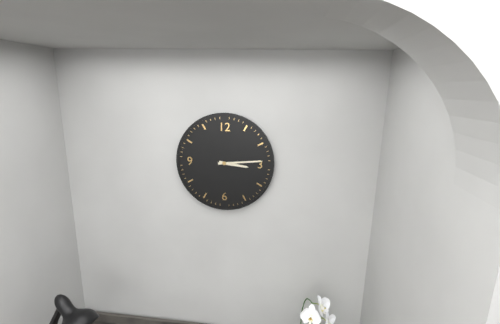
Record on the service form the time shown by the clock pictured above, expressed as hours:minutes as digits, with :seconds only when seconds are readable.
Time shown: 3:14
